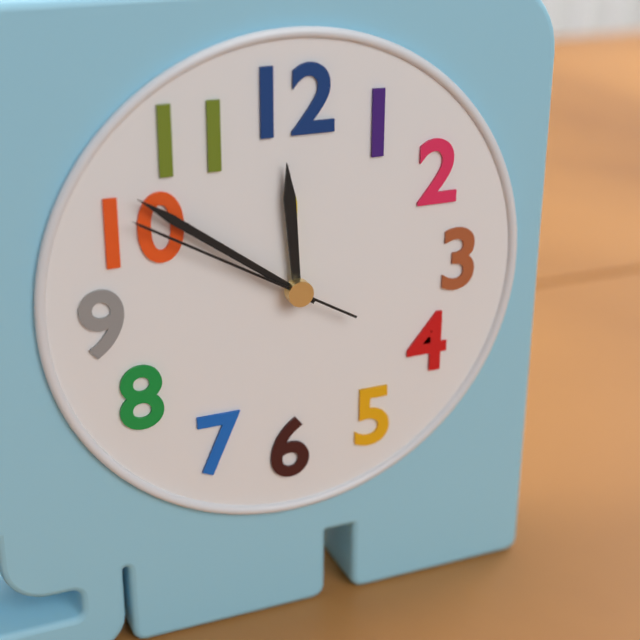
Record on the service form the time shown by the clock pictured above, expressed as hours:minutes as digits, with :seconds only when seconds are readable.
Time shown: 11:51:50
